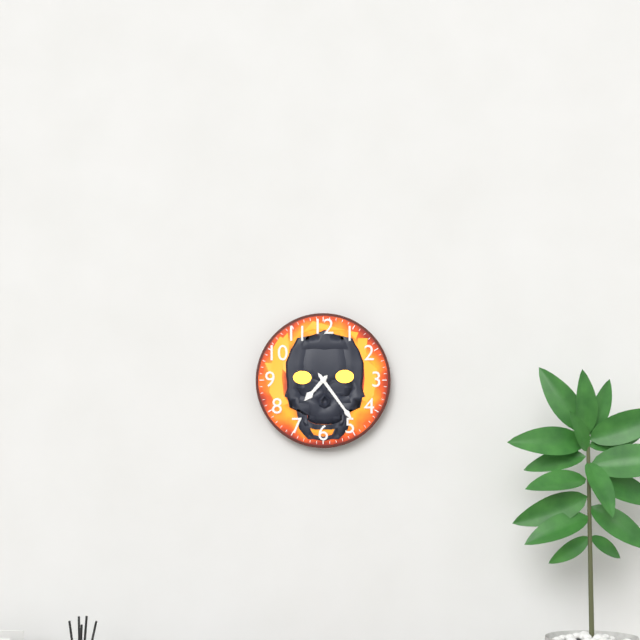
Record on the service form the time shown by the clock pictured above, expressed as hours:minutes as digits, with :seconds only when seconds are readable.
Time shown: 7:24
